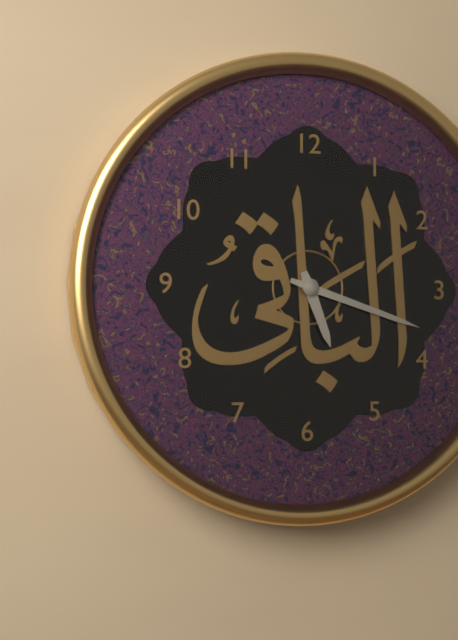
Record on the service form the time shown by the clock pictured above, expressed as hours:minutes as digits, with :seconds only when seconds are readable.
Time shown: 5:18
